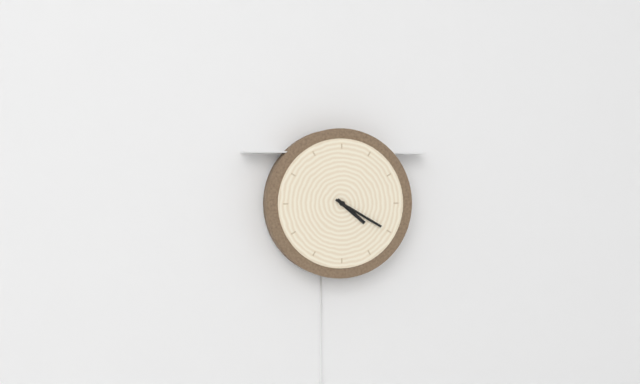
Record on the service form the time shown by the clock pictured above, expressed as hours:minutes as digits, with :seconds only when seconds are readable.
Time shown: 4:20
